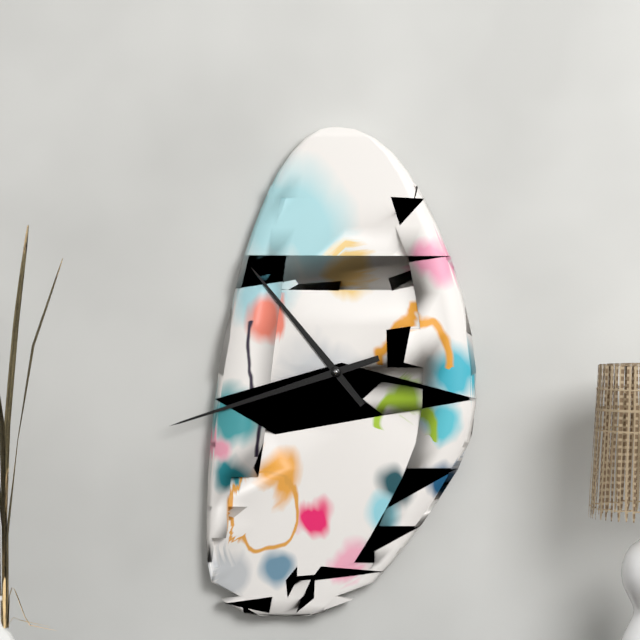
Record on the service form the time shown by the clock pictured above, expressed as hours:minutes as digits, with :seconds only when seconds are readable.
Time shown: 10:42
